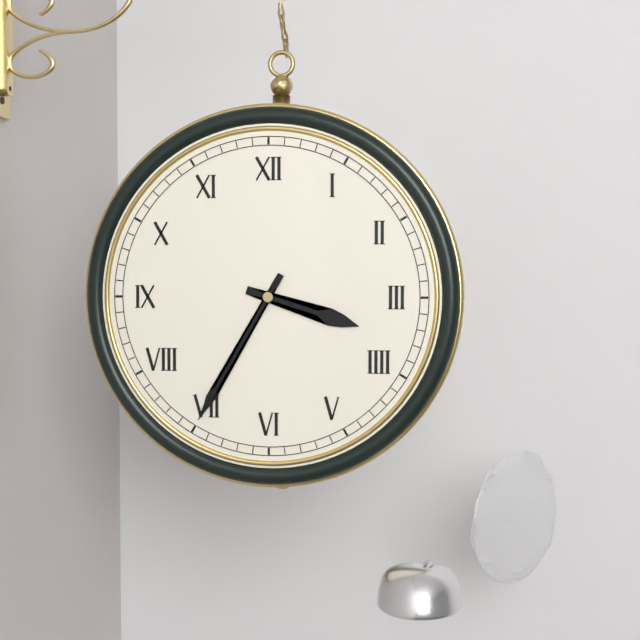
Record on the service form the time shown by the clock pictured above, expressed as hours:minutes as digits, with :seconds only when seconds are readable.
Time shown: 3:35
